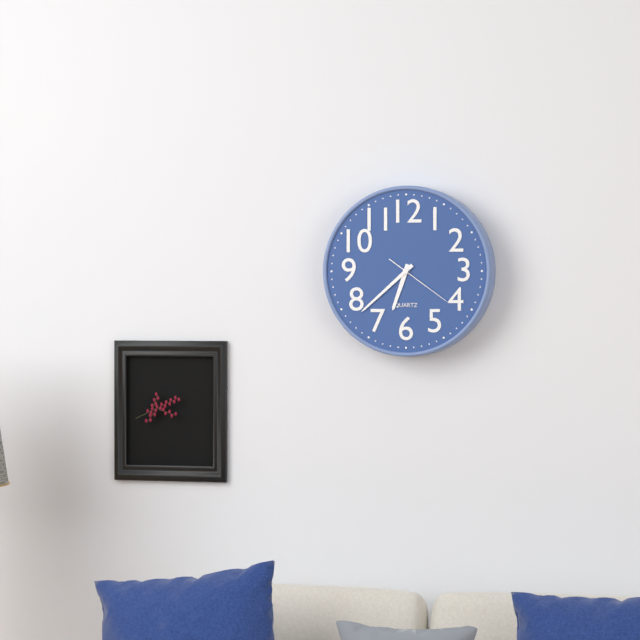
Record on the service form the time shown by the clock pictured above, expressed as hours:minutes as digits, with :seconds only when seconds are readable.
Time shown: 6:38:21
